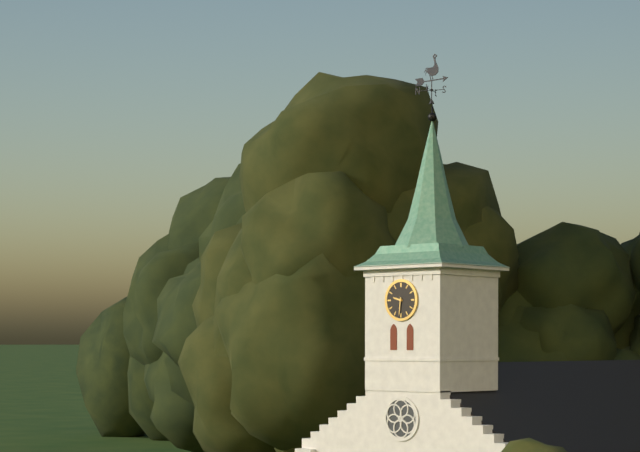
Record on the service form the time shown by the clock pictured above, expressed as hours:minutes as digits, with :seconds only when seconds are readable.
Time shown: 9:31
